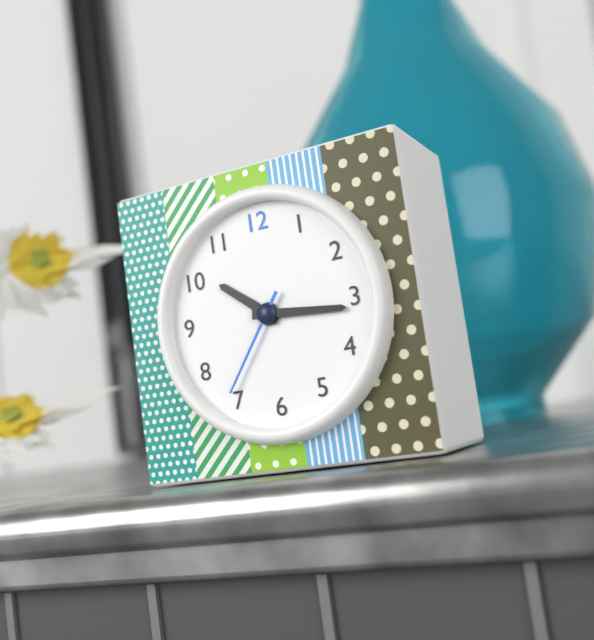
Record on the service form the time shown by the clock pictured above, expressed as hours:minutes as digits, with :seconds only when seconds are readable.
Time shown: 10:16:36
